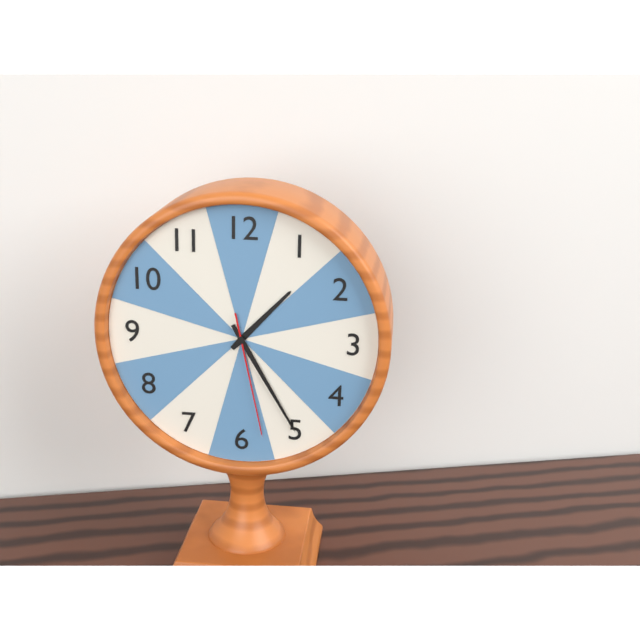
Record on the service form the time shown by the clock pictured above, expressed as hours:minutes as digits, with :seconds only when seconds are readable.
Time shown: 1:25:28
